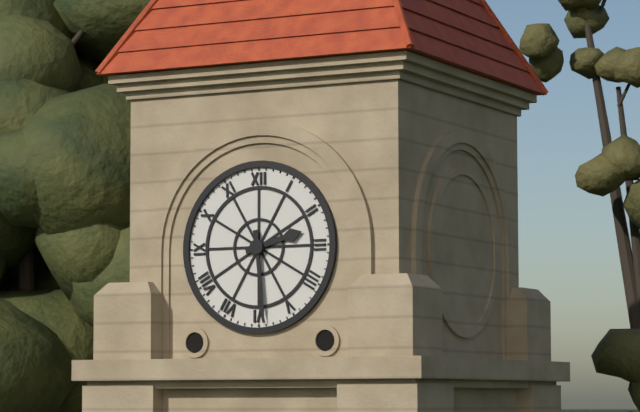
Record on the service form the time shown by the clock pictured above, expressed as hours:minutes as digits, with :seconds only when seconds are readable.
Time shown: 2:29
